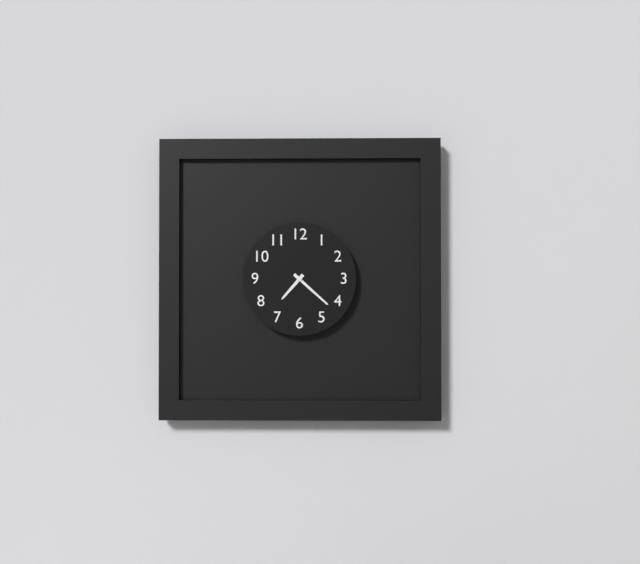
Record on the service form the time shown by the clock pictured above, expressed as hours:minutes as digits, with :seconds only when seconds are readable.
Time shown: 7:22
